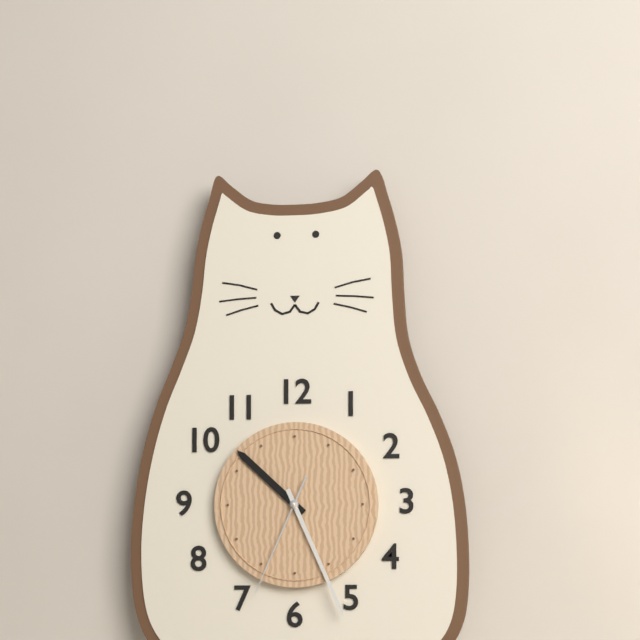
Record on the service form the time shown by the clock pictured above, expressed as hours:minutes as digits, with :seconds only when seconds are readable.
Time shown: 10:26:34
